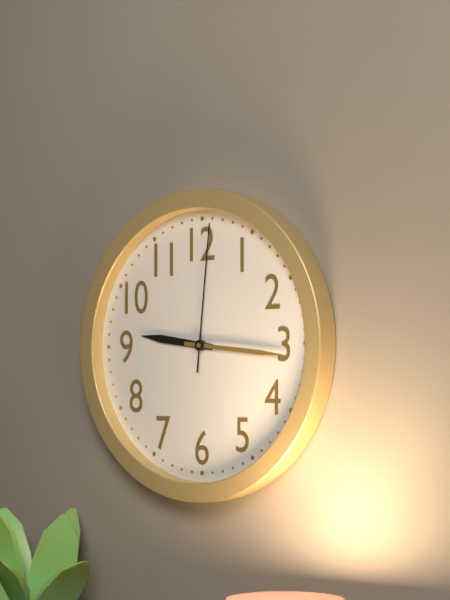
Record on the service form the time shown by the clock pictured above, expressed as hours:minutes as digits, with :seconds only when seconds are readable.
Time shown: 9:16:01
